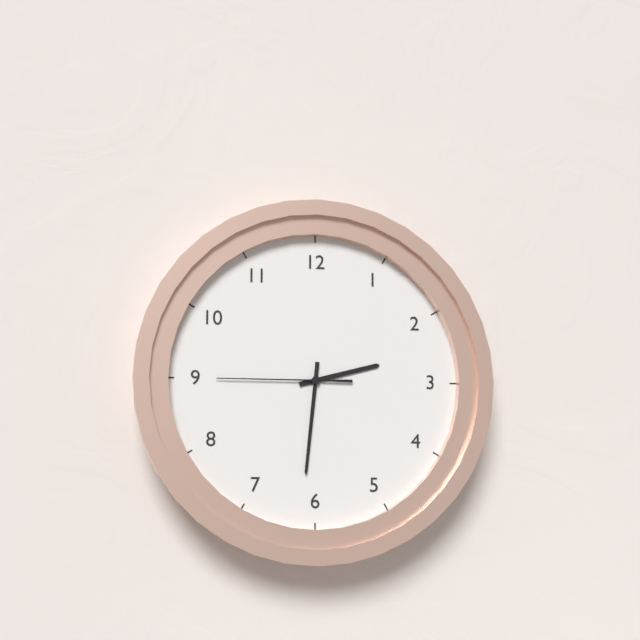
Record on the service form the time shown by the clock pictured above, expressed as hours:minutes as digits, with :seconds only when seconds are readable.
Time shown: 2:31:45
